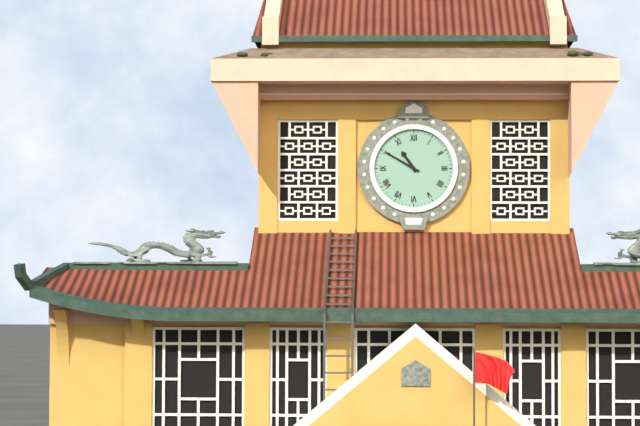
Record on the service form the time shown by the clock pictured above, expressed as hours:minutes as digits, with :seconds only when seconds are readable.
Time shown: 10:50
